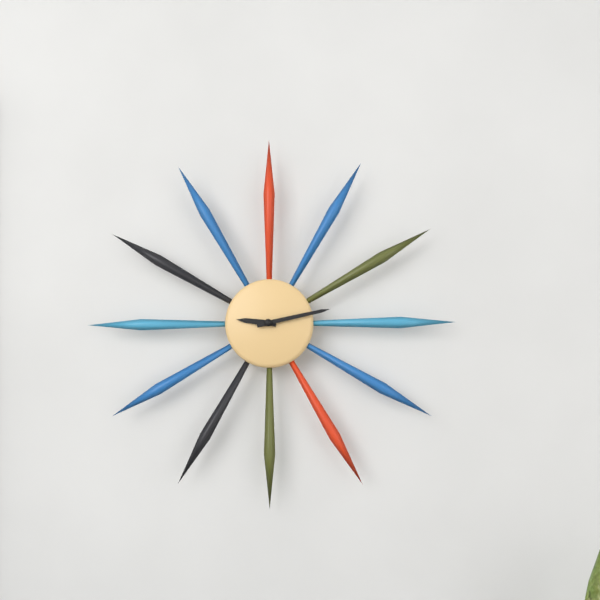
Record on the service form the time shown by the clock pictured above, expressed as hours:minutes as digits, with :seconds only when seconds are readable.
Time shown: 9:13
